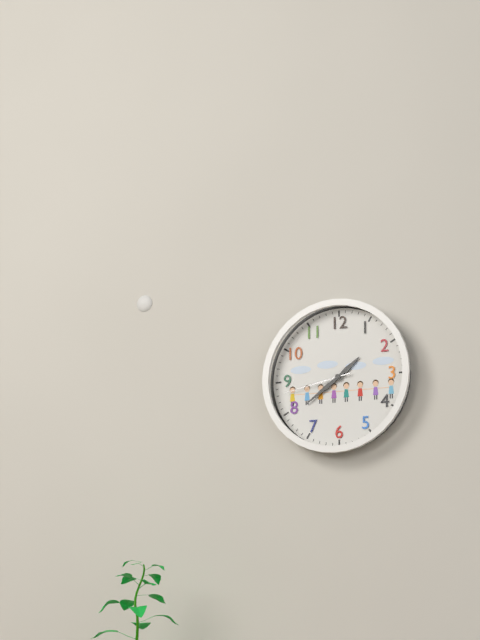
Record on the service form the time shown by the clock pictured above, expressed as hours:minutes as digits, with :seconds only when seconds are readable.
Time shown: 1:39:43
